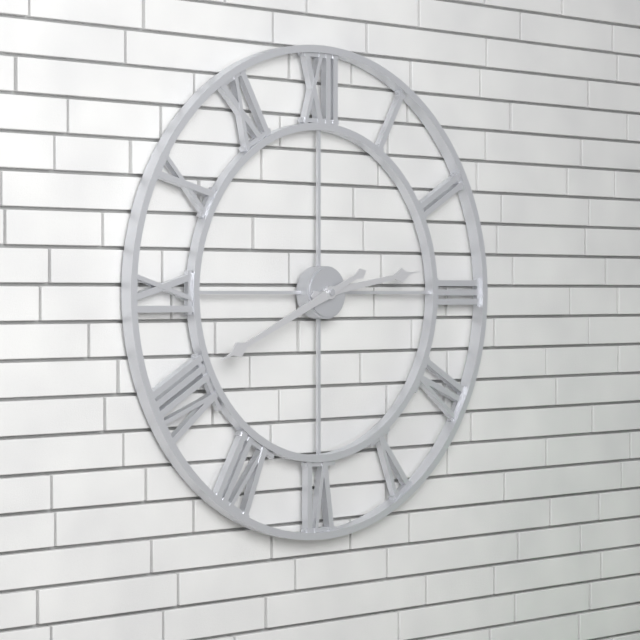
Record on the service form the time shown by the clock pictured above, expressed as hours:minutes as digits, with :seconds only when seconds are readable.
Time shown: 2:41
